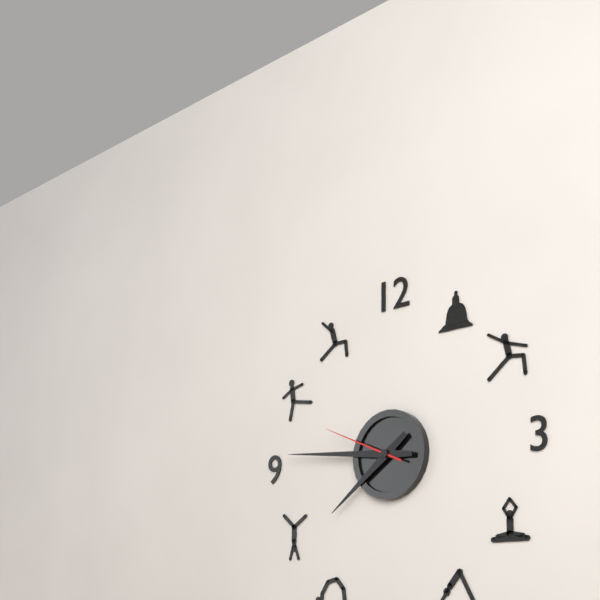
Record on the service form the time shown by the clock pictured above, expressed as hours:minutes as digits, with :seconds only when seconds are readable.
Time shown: 7:46:49
